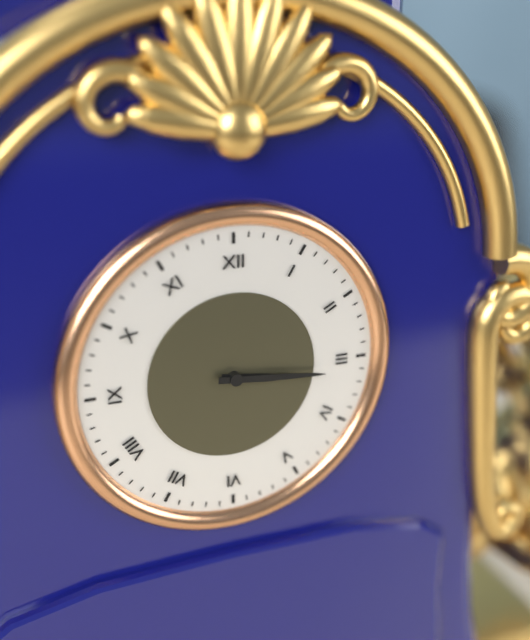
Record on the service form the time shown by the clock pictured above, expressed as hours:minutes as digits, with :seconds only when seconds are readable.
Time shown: 3:16
